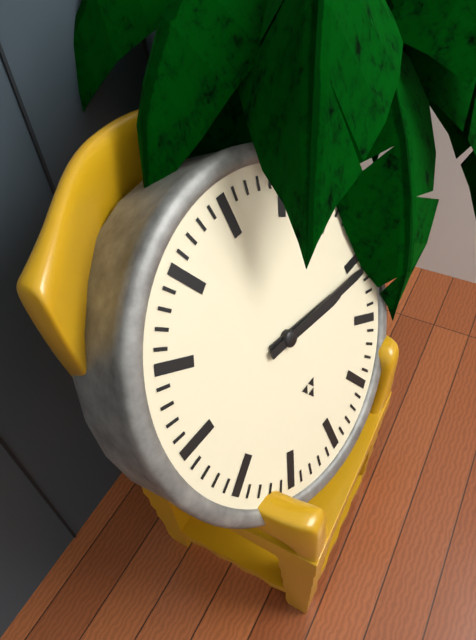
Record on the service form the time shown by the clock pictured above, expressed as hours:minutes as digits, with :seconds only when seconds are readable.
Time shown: 3:16
